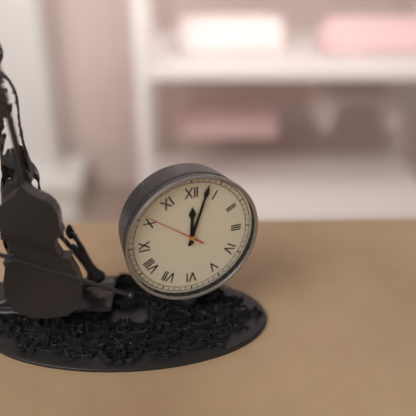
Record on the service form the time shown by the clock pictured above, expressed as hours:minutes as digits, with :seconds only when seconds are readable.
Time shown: 12:03:51
